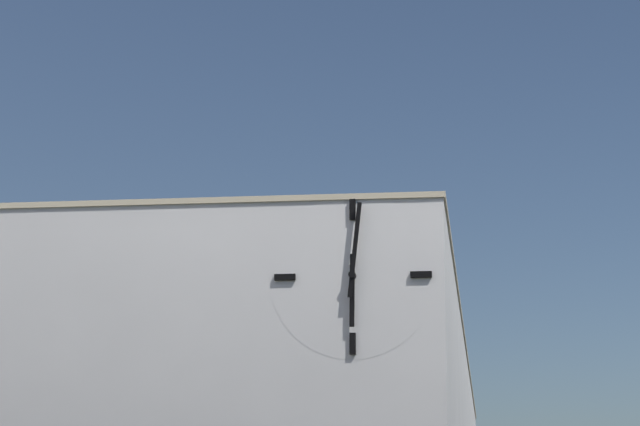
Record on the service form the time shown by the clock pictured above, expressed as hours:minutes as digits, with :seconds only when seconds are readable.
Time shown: 6:01
